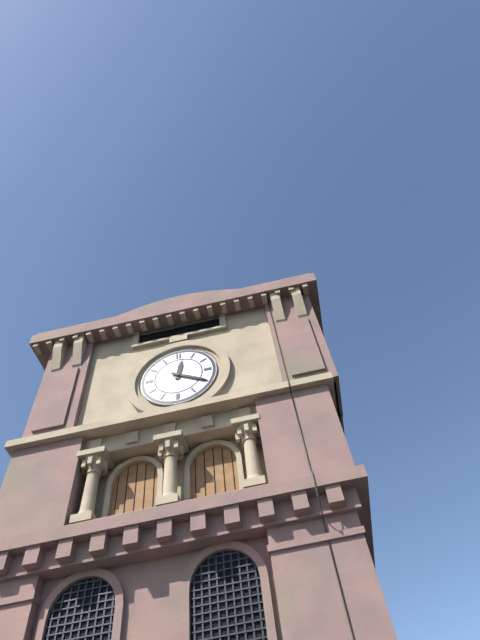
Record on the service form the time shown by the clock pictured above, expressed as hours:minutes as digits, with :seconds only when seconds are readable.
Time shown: 12:20
